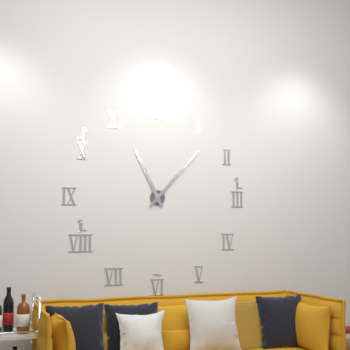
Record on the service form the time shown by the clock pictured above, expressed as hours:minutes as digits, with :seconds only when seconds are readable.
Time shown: 11:07
